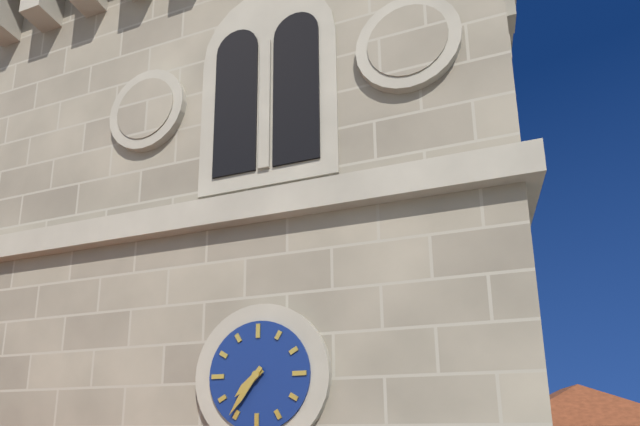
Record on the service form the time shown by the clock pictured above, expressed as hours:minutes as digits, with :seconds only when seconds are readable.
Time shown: 7:36
